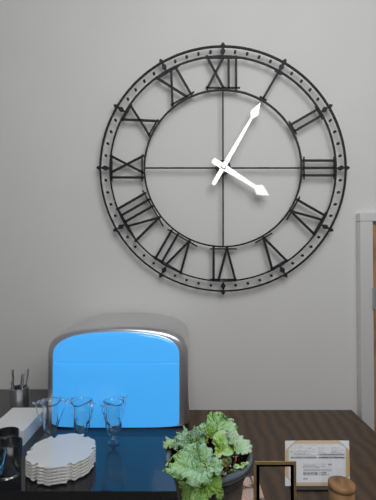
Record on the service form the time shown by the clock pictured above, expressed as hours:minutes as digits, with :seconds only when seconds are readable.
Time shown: 4:05
